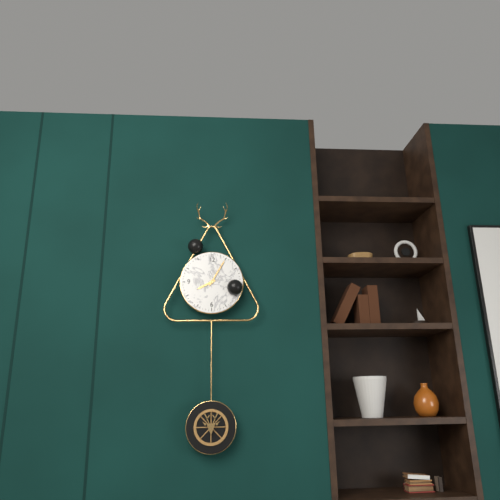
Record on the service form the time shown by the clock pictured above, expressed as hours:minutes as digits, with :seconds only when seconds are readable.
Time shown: 8:05
